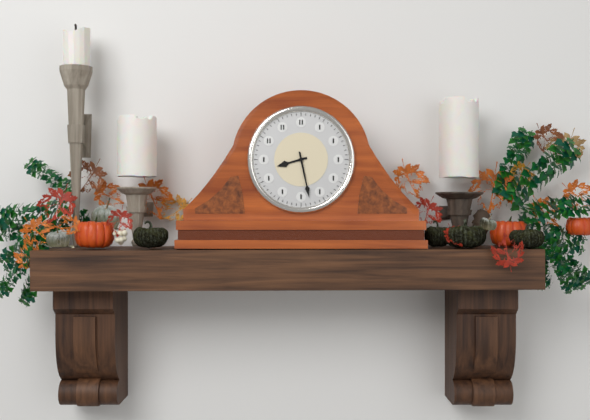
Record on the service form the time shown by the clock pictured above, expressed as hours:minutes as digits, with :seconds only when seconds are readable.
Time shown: 8:28
